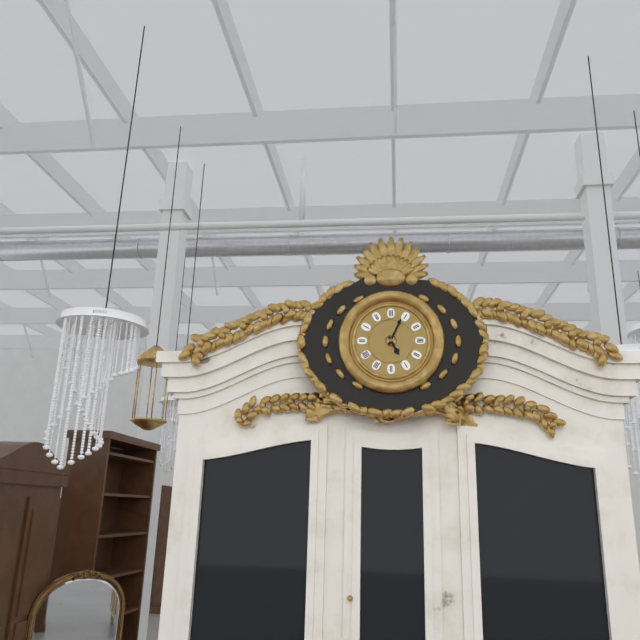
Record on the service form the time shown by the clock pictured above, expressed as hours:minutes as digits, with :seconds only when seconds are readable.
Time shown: 5:04
